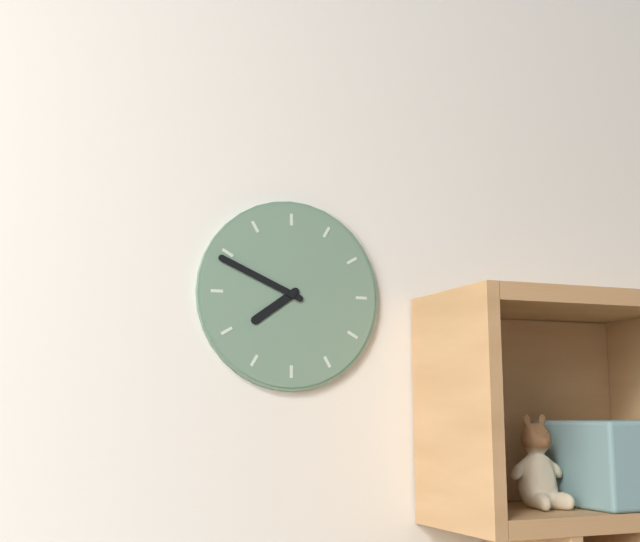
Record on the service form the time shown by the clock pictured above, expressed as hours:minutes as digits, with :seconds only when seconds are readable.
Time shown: 7:49
